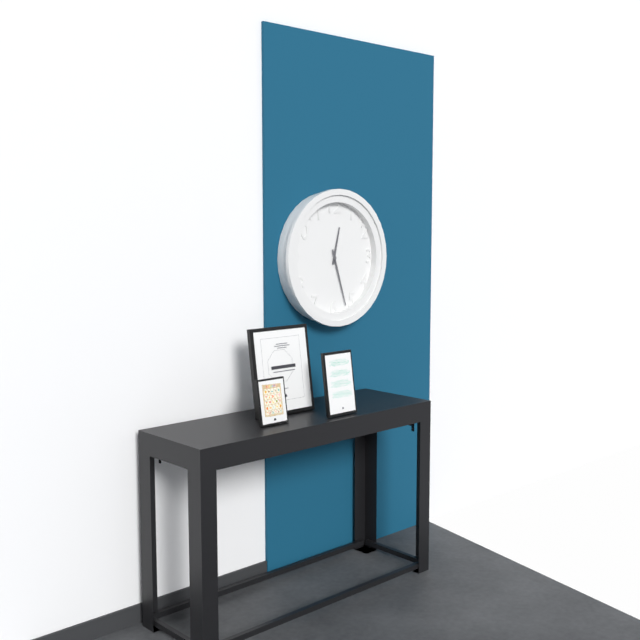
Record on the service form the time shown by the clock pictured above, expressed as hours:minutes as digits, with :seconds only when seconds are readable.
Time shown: 12:27
